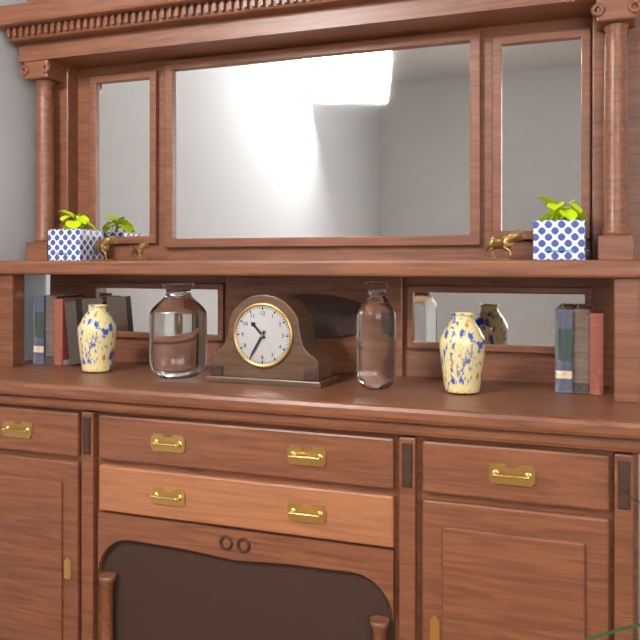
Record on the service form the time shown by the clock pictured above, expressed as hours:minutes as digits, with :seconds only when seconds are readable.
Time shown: 10:35
